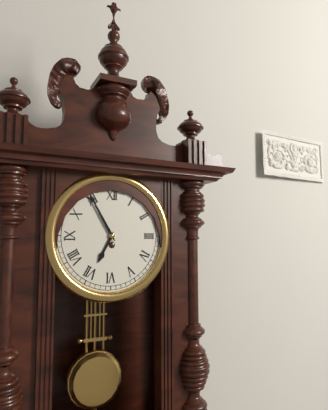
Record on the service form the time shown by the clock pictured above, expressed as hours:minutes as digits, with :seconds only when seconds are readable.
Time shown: 6:55
